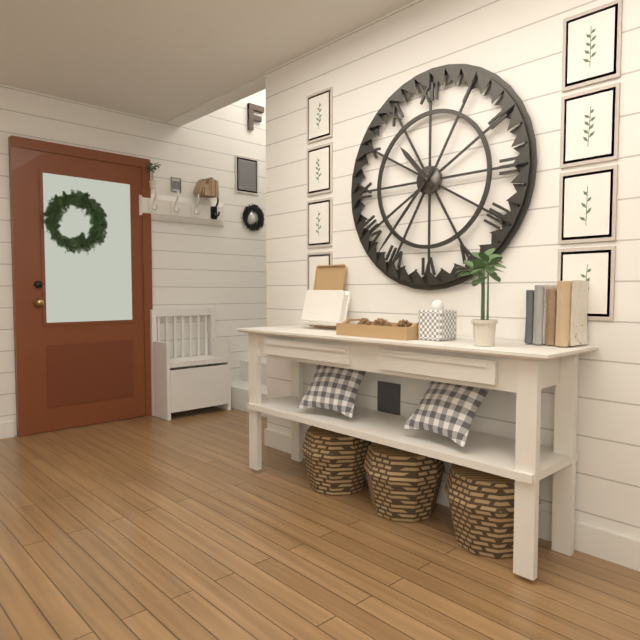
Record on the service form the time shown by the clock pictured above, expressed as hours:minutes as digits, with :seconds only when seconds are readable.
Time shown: 10:37
